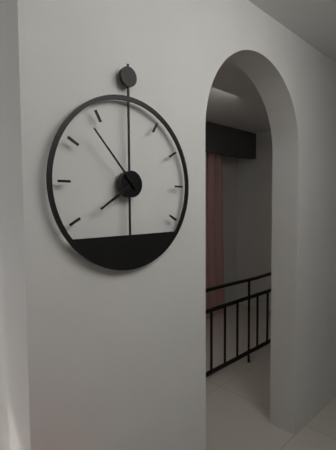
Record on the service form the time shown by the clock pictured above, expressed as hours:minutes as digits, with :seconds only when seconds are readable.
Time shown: 7:53
